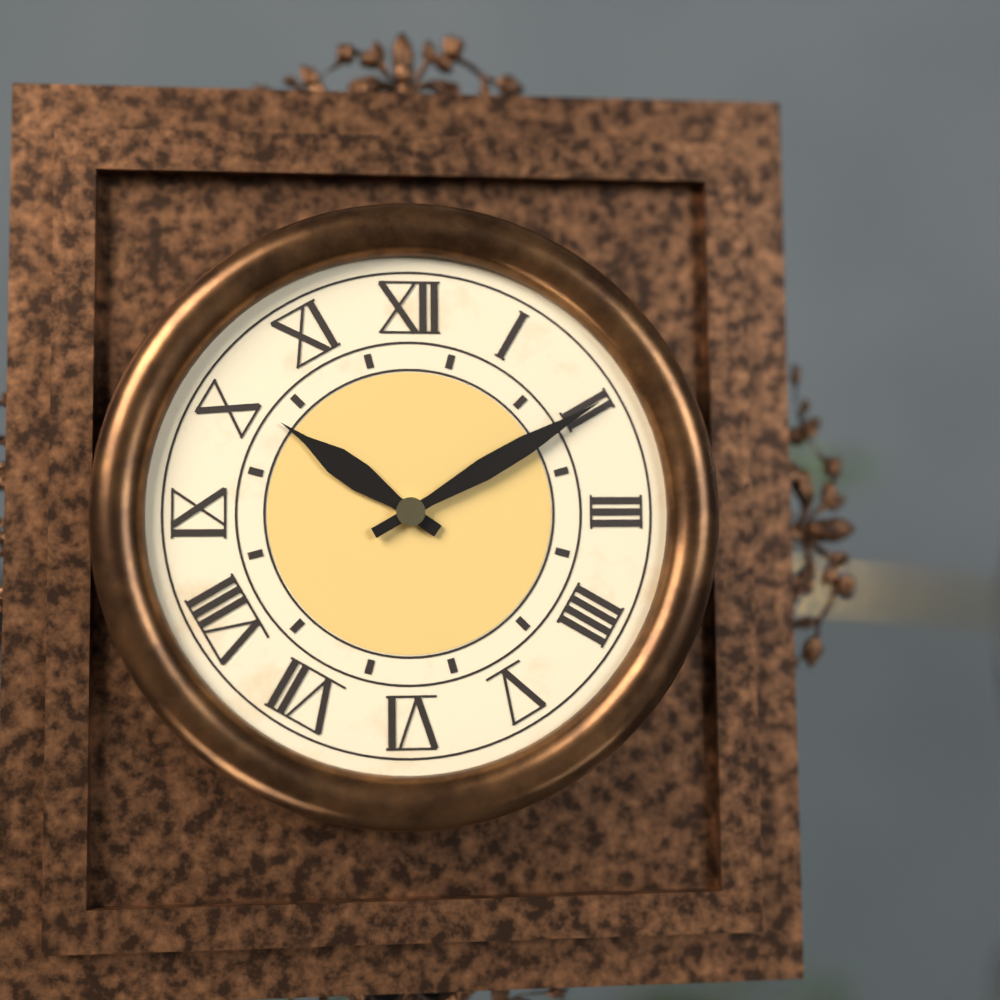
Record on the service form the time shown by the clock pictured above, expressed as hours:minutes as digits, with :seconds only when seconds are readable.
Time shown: 10:10
